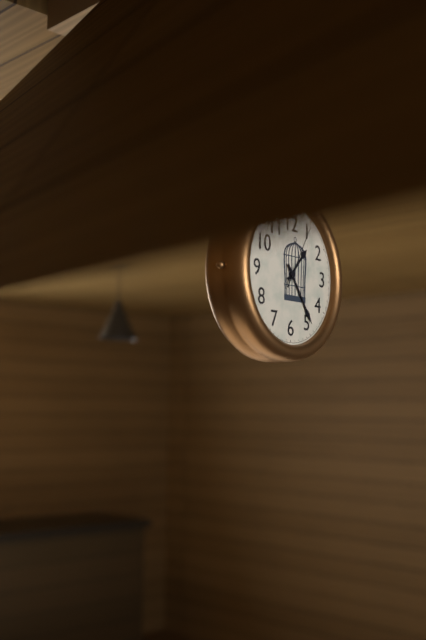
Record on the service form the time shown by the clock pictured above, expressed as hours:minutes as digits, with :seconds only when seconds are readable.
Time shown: 1:24:05
